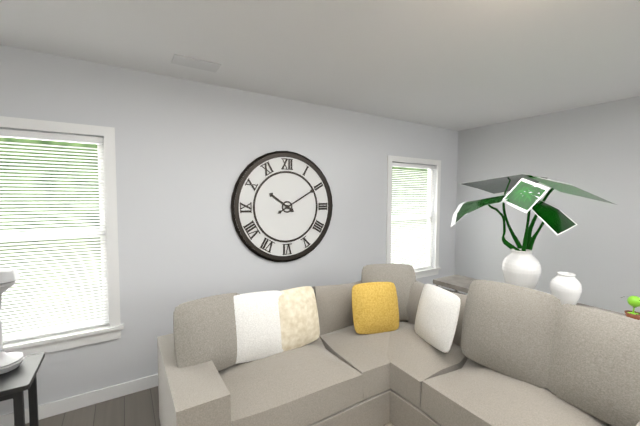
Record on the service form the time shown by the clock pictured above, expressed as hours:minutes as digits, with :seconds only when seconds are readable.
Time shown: 10:10
